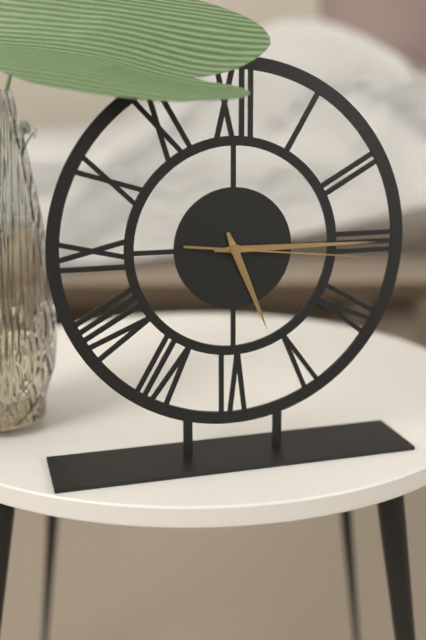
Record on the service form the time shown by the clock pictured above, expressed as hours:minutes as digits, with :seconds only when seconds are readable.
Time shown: 5:15:16
